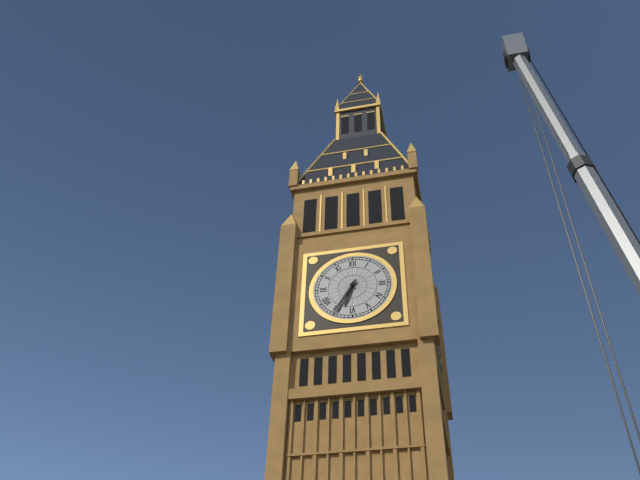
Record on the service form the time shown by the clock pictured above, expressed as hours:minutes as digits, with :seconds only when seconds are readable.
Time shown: 6:35
